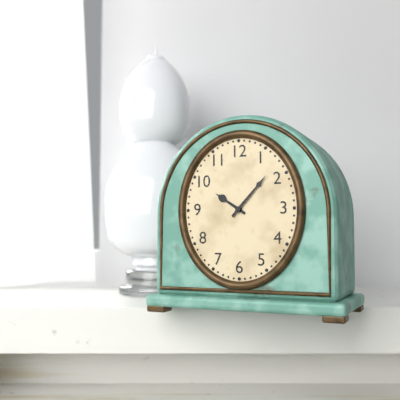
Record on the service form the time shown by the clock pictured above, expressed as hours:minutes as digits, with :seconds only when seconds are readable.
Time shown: 10:07
